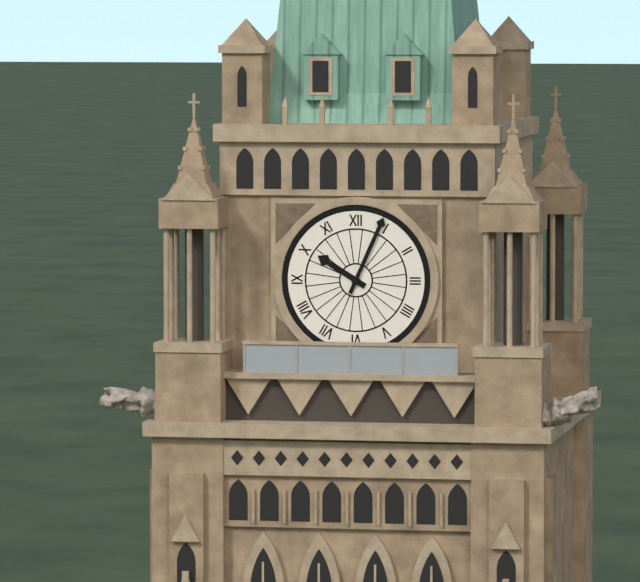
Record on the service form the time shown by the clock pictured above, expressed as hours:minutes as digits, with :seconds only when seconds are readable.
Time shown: 10:04
